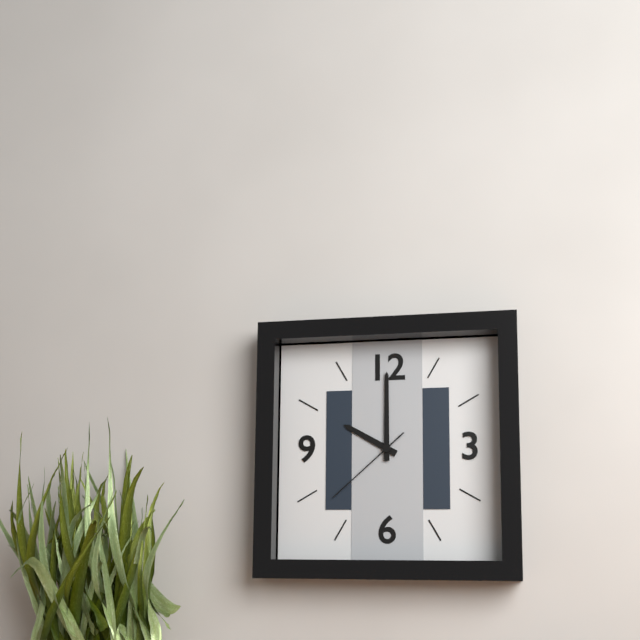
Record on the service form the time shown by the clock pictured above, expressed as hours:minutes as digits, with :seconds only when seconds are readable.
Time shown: 10:00:38
